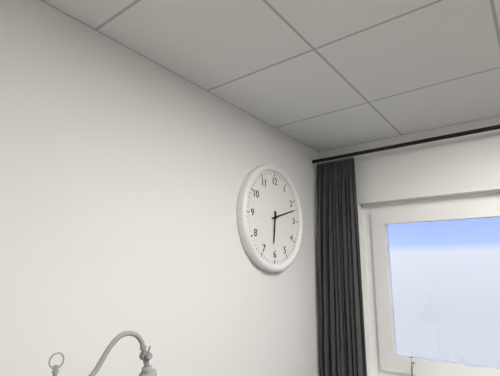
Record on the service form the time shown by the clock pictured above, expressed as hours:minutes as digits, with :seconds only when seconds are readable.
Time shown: 6:12
